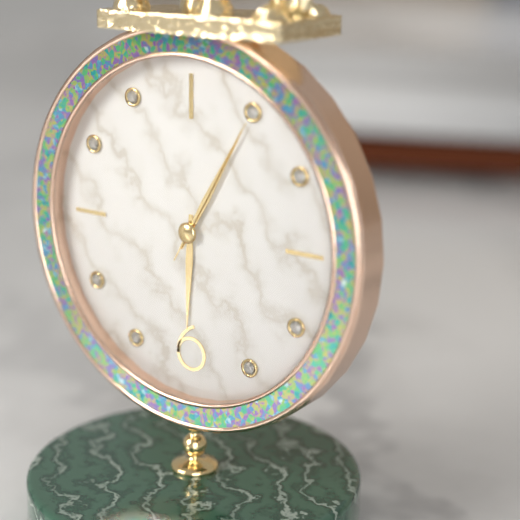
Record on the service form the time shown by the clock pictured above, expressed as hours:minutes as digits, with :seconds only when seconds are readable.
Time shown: 6:05:05
